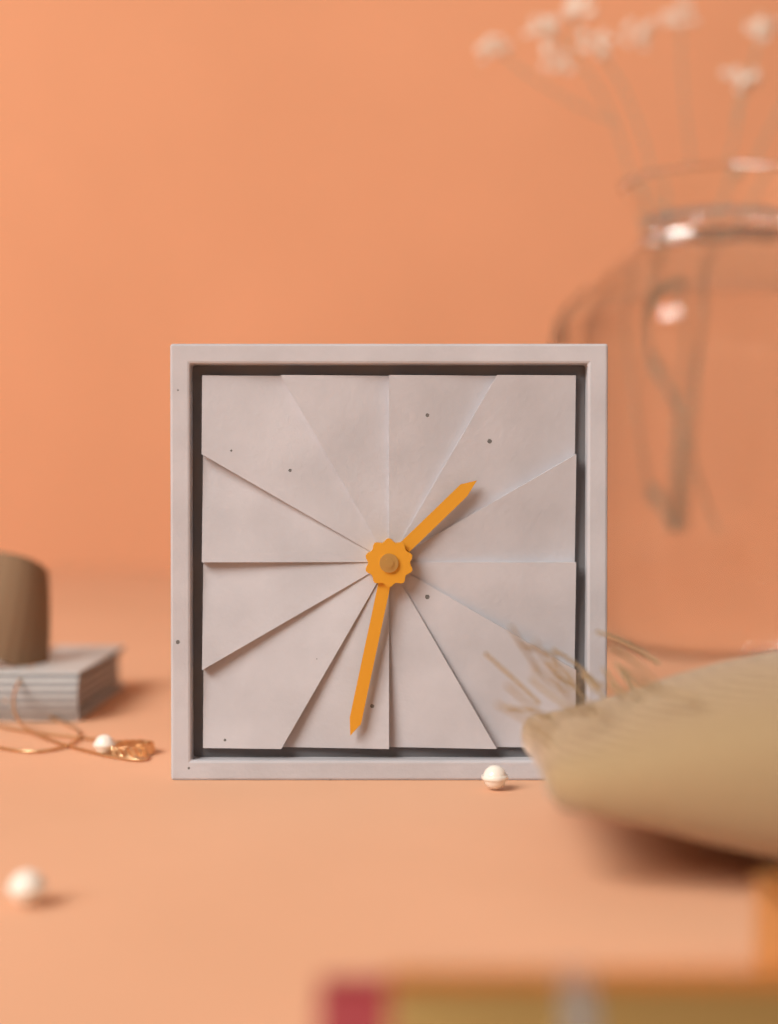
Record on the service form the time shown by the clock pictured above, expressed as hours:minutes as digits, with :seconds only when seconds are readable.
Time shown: 1:32
